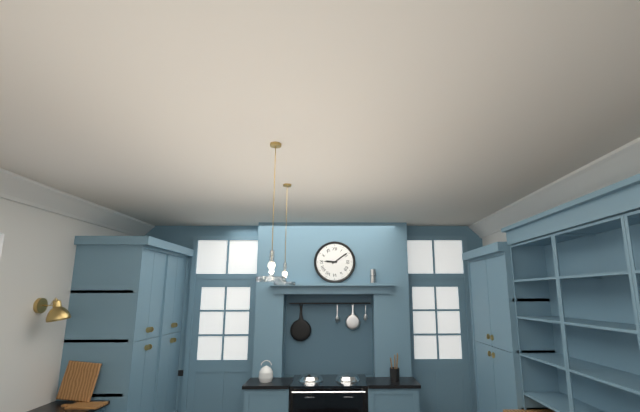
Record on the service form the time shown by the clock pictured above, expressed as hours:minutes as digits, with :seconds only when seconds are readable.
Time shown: 9:09
